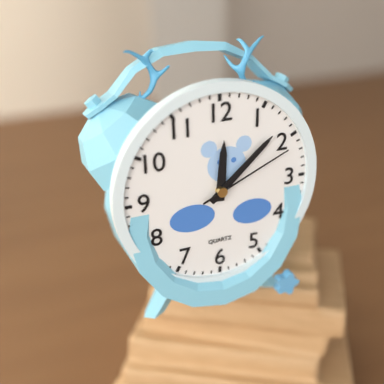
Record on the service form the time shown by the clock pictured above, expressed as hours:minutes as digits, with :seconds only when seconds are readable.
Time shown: 12:08:11
